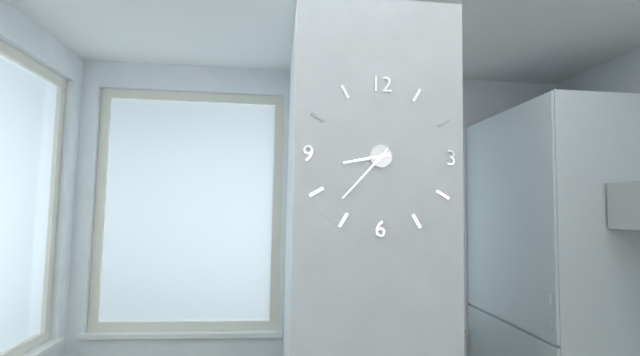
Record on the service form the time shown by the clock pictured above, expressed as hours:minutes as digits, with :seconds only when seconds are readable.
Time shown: 8:37
